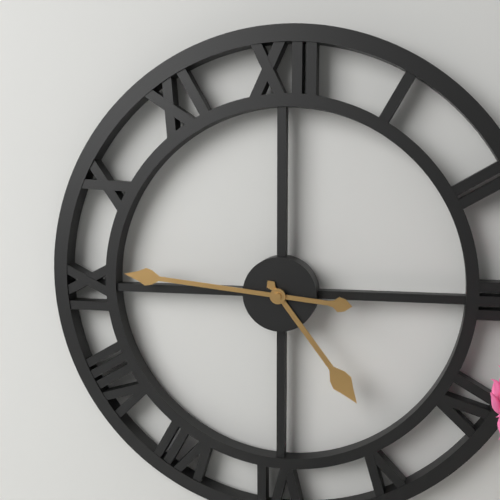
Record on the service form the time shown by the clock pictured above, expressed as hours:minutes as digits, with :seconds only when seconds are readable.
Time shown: 4:46
